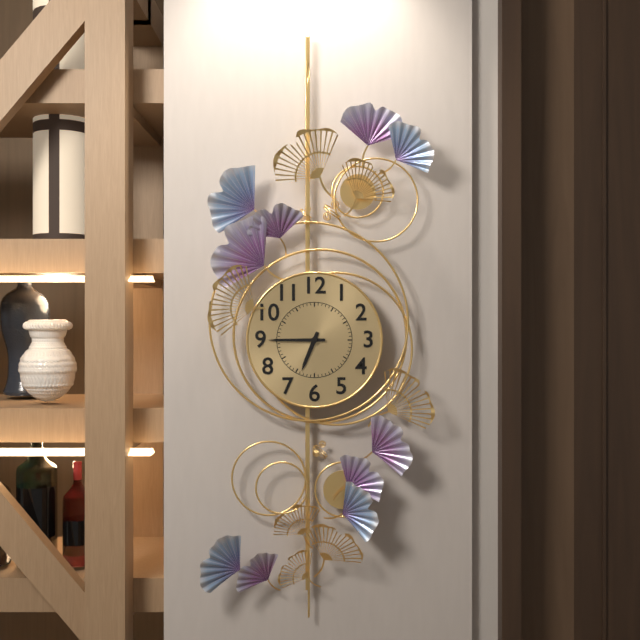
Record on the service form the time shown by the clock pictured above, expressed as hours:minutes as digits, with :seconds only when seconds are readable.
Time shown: 6:45
